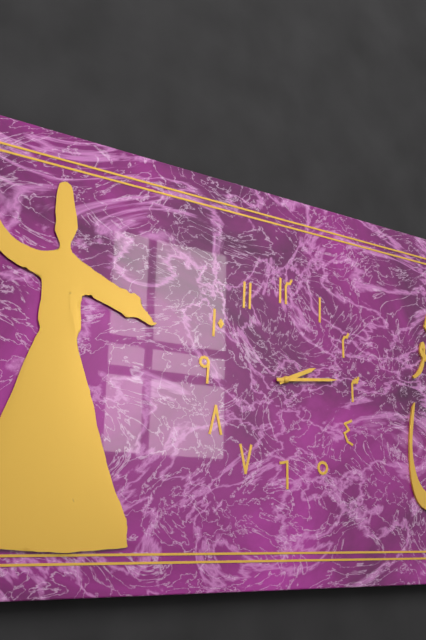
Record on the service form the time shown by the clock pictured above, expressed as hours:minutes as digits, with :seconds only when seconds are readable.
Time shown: 2:14
